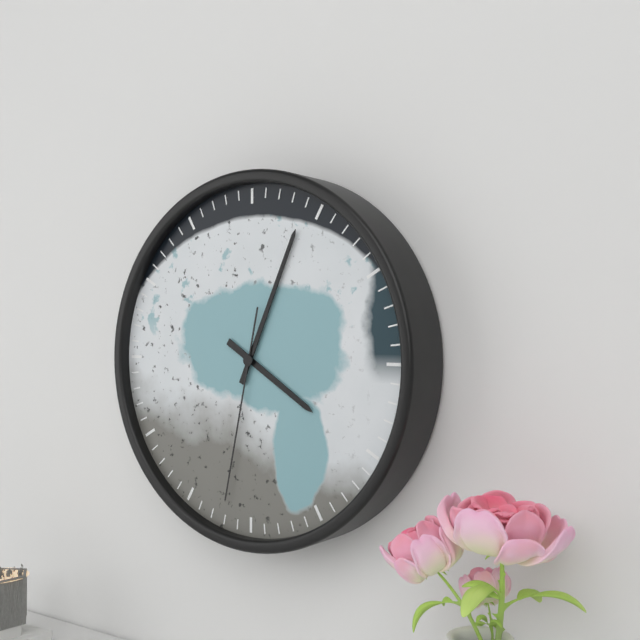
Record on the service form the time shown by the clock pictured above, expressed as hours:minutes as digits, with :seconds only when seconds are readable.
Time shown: 4:04:32
